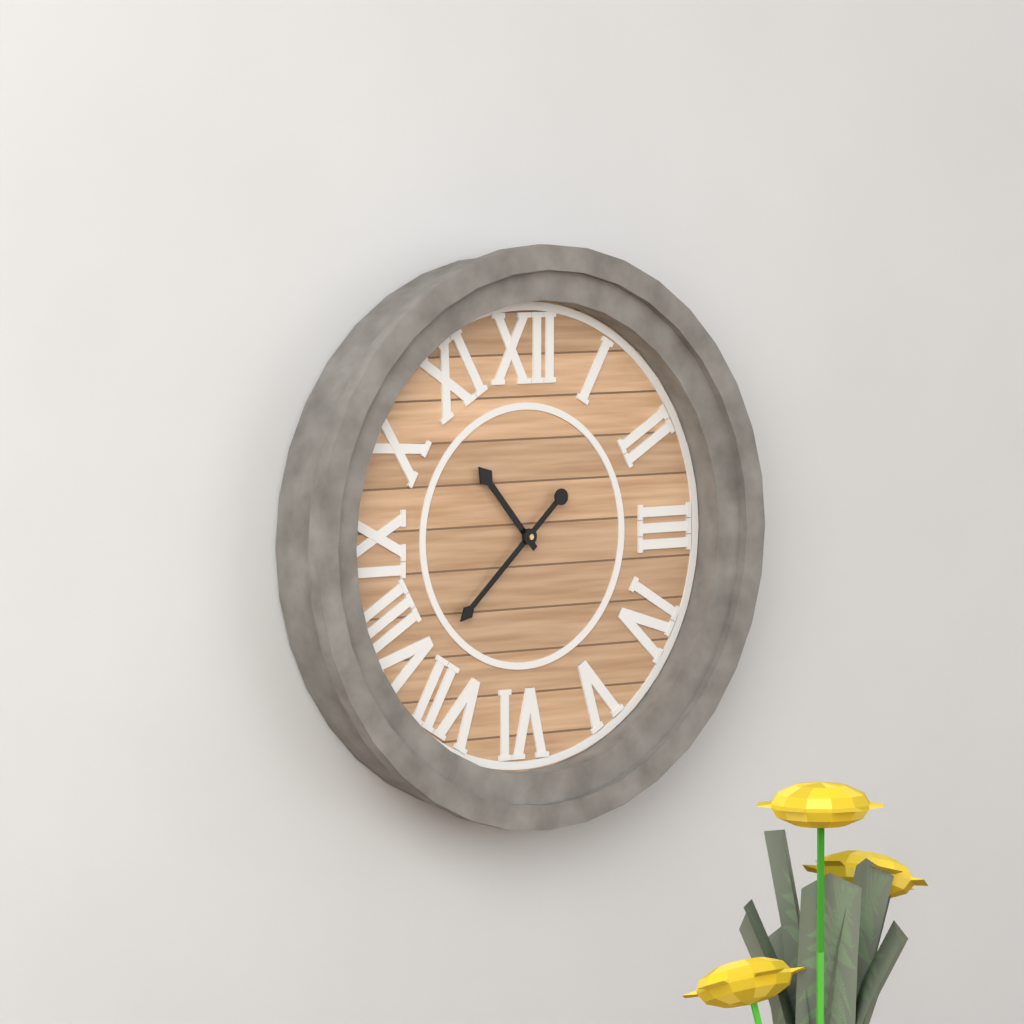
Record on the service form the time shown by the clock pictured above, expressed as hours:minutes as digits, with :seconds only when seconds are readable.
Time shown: 10:38
